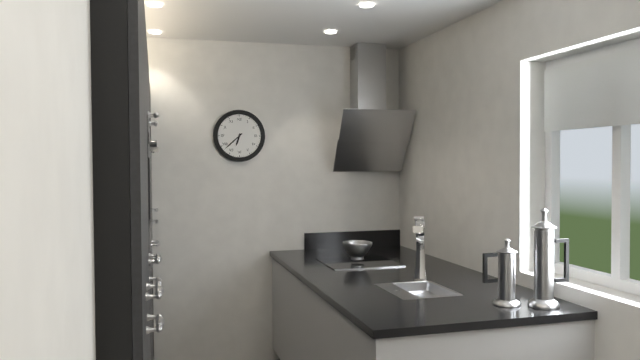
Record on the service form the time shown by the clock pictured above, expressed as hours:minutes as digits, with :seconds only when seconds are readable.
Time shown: 6:38
